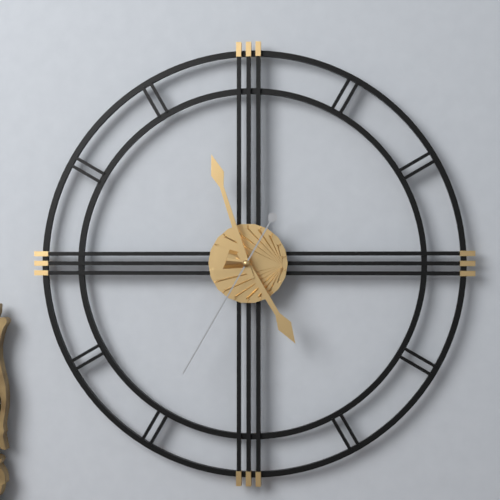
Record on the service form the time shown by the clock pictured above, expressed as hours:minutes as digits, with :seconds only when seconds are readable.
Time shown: 4:57:35
